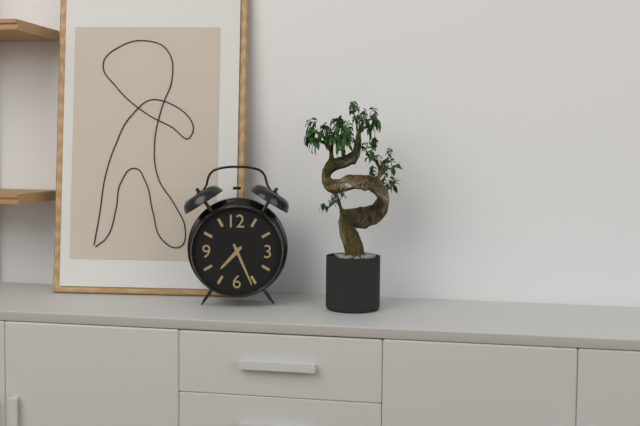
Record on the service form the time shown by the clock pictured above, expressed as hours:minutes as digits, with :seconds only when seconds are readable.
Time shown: 7:26
